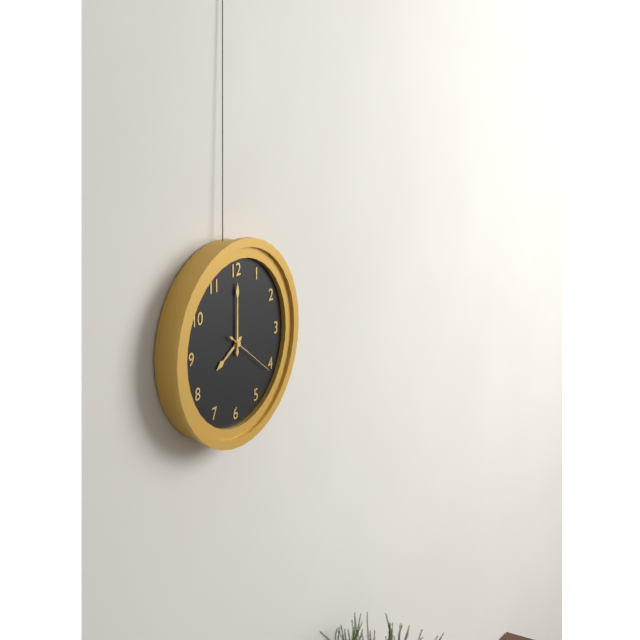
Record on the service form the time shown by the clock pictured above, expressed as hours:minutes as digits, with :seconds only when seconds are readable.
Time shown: 8:00:21
